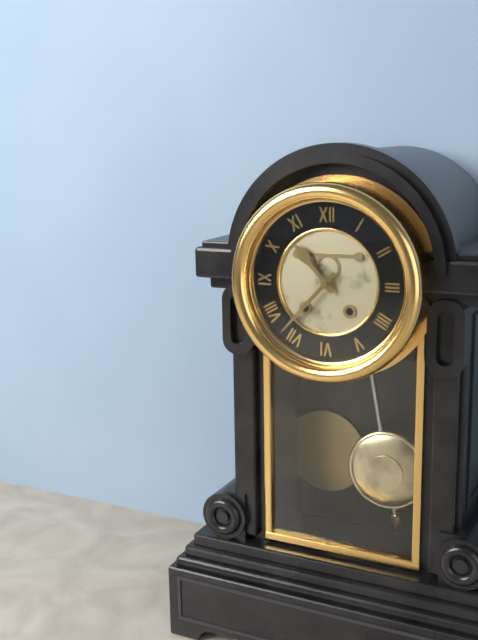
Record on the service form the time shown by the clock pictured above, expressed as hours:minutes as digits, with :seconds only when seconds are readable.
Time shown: 10:37
